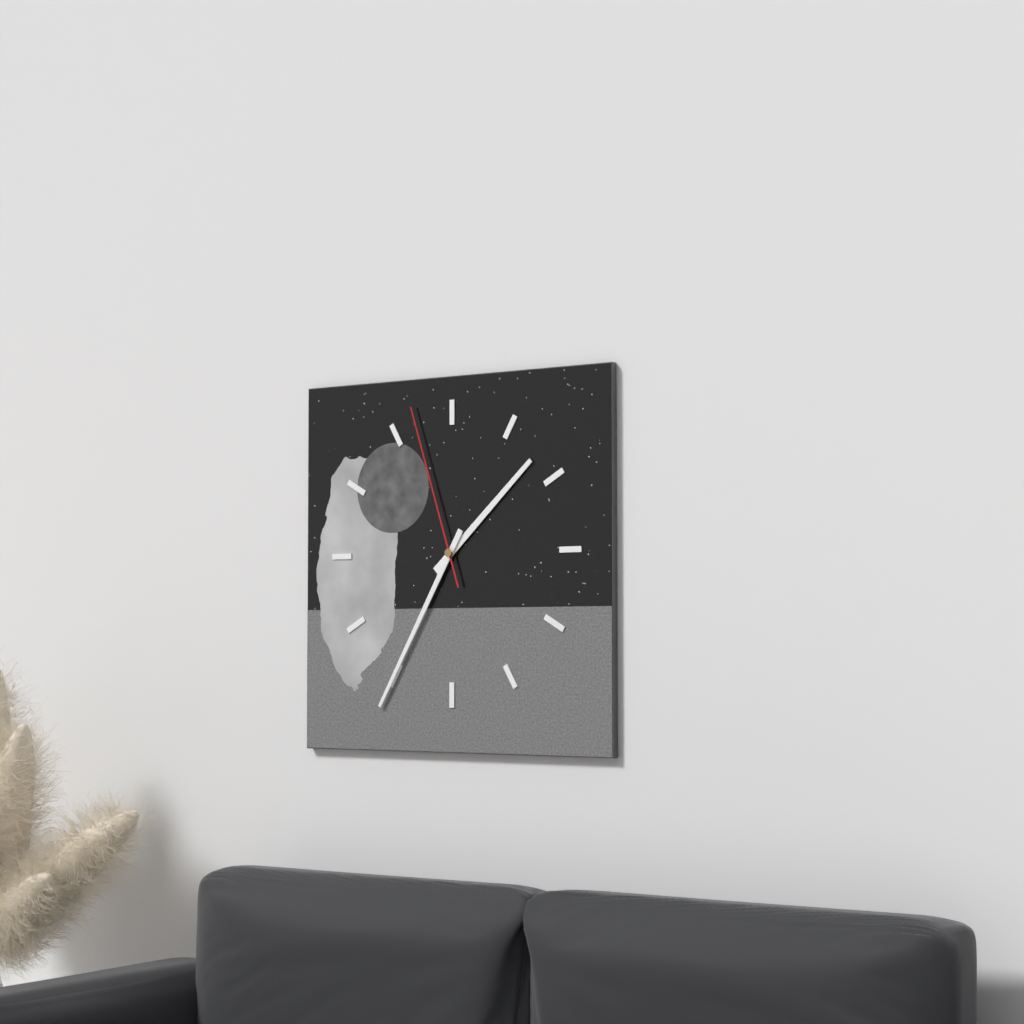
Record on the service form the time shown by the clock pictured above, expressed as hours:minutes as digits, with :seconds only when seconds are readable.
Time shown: 1:35:57
